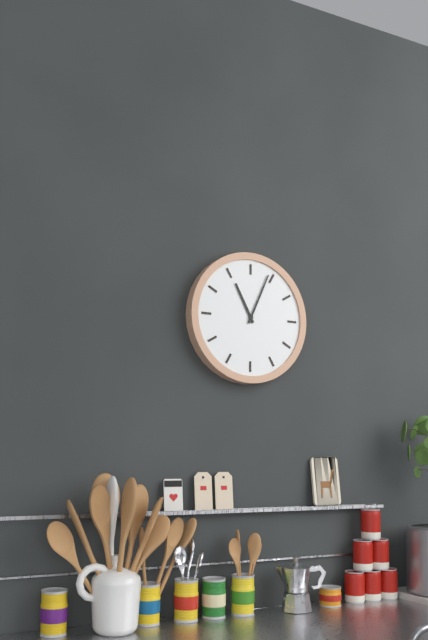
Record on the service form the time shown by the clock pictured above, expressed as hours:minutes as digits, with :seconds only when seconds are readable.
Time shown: 11:04
